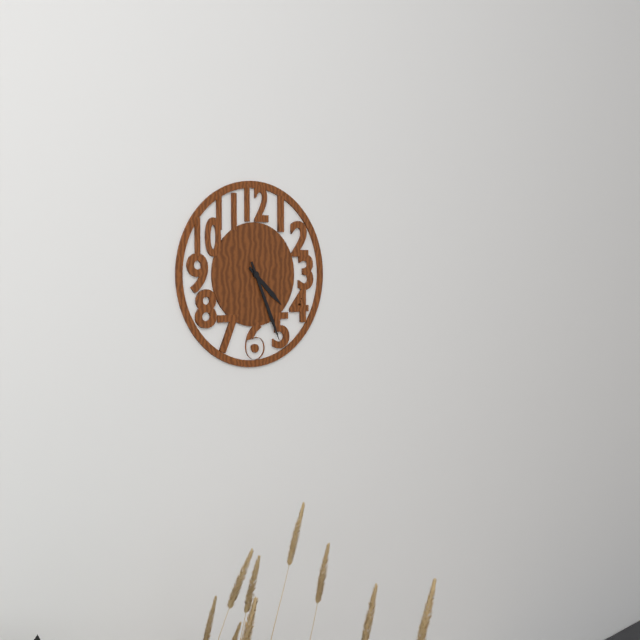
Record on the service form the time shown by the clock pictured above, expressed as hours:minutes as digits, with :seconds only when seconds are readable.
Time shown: 4:26
